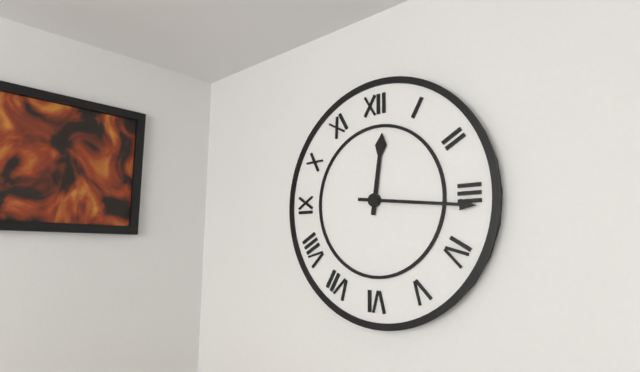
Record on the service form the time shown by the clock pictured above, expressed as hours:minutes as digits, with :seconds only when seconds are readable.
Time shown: 12:16
